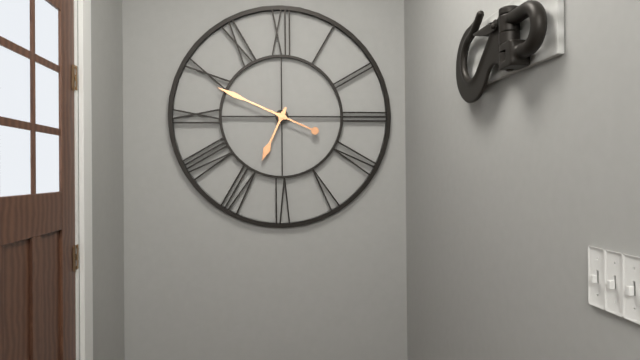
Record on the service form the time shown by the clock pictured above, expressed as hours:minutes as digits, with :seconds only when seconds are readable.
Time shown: 6:49
